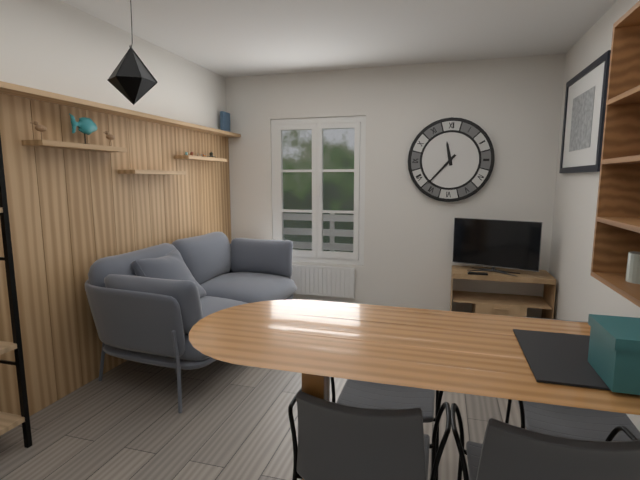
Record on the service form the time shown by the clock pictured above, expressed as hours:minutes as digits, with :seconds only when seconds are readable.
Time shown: 11:37
